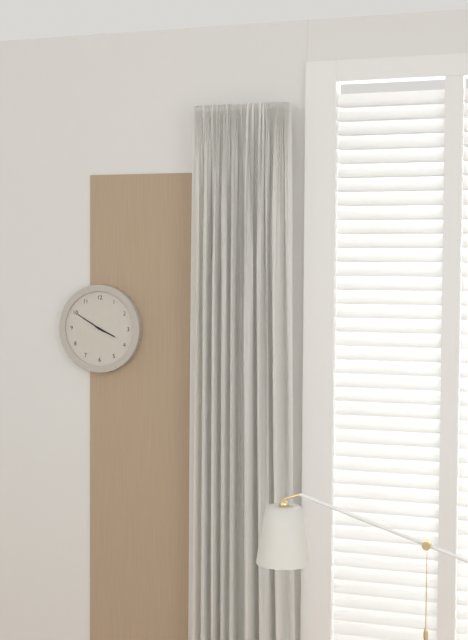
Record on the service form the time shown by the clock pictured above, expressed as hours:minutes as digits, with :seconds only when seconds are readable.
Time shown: 3:50
